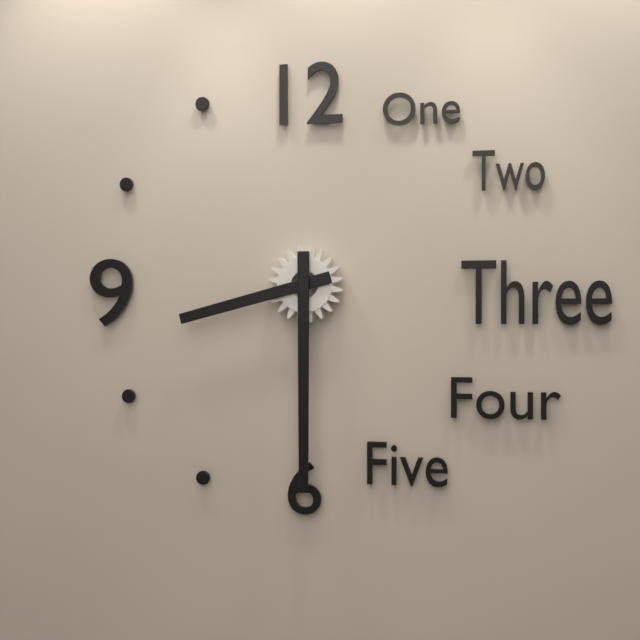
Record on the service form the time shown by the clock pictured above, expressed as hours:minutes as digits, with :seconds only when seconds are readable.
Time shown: 8:30
